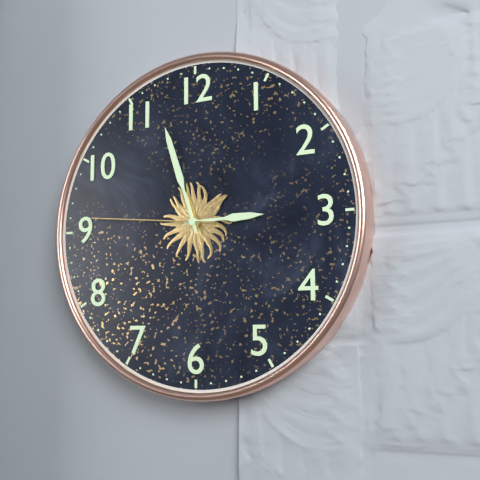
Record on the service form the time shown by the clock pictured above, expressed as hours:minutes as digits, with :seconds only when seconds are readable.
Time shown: 2:57:46
